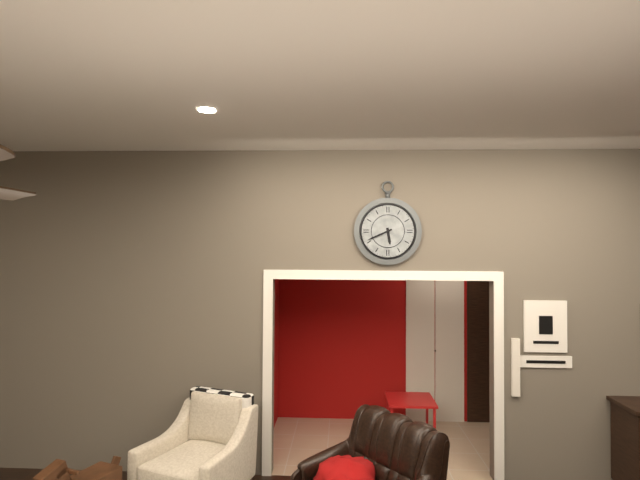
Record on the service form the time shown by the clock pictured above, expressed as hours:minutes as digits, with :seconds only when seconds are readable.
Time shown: 5:41
